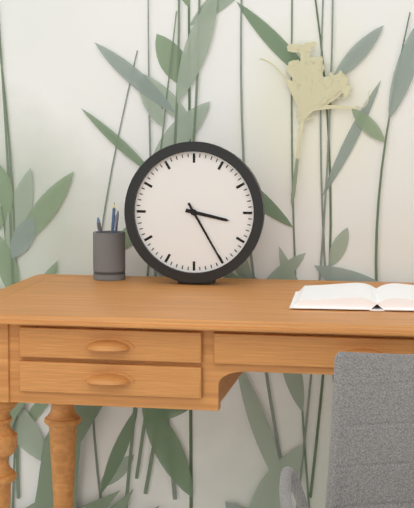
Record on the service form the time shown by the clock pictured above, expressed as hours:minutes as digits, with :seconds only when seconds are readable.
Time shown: 3:25
